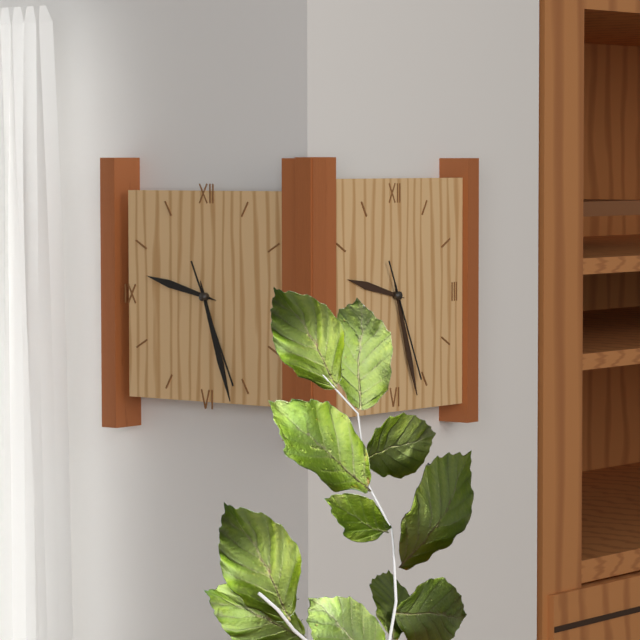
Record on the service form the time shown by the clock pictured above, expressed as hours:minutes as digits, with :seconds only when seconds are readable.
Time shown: 9:27:26
